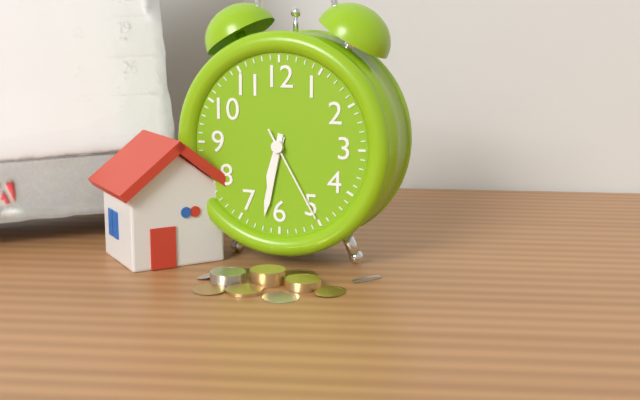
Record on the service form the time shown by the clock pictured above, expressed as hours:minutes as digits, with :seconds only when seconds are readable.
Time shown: 6:32:25
